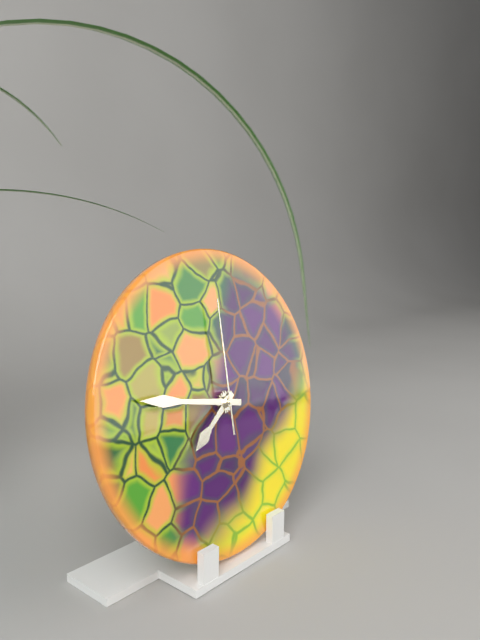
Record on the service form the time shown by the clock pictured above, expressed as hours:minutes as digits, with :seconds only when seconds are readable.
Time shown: 7:47:00
